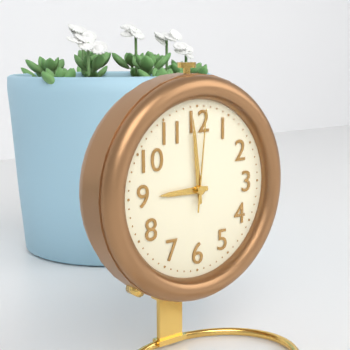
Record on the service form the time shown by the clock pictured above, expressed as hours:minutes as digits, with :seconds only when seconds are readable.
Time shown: 8:59:01
